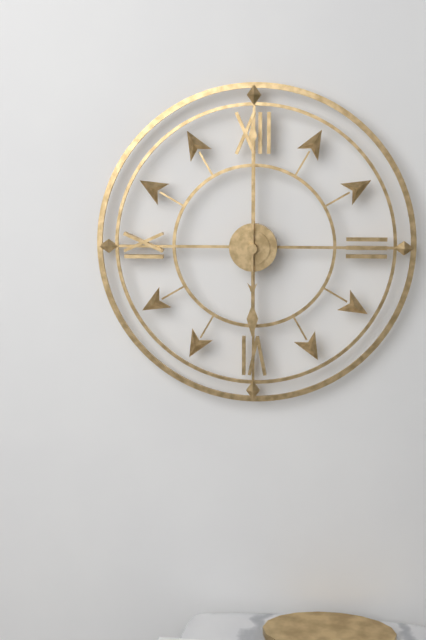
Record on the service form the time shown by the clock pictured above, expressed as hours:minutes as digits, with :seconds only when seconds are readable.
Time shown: 6:00
